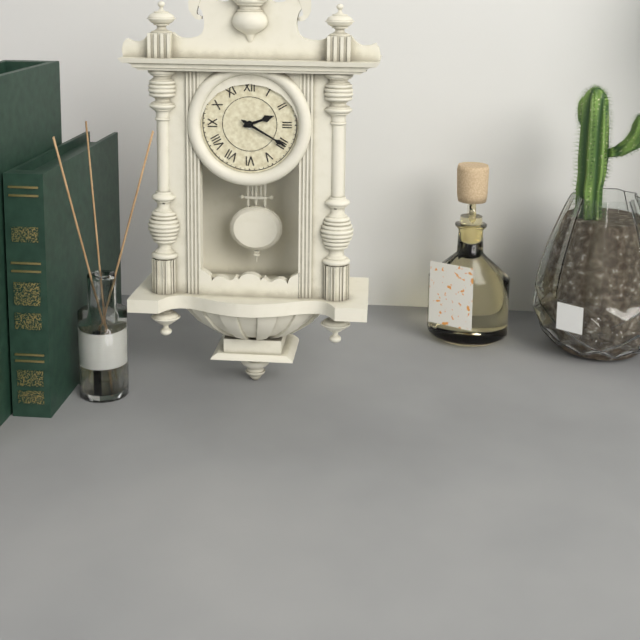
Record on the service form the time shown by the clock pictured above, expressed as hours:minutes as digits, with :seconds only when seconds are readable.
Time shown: 2:20
